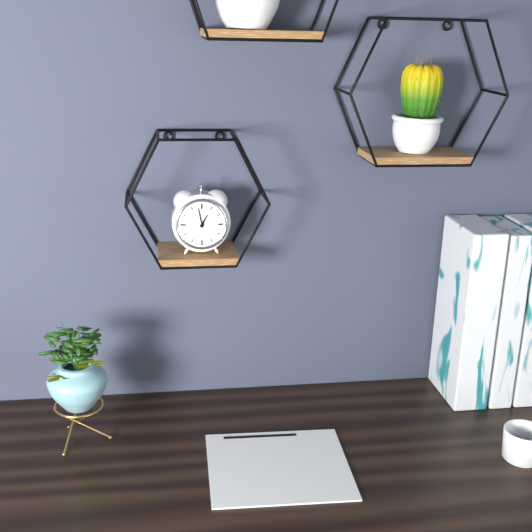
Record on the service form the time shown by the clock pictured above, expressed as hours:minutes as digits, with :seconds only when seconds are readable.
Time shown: 12:58
